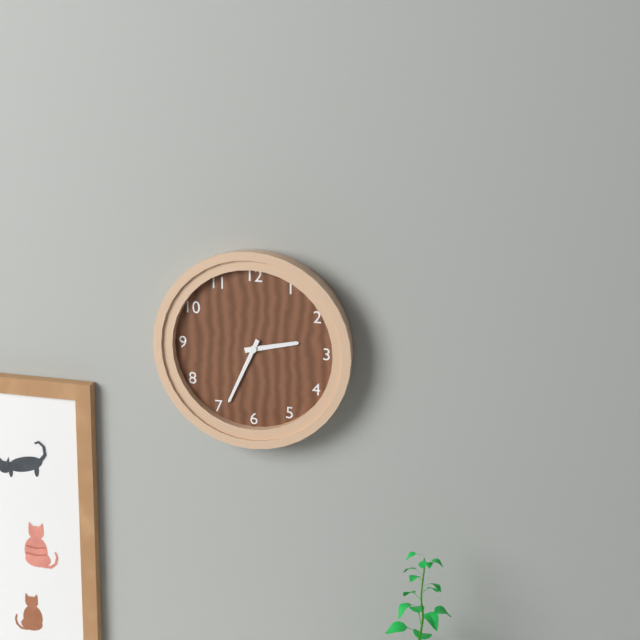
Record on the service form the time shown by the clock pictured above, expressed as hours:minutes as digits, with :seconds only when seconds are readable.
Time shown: 2:34
